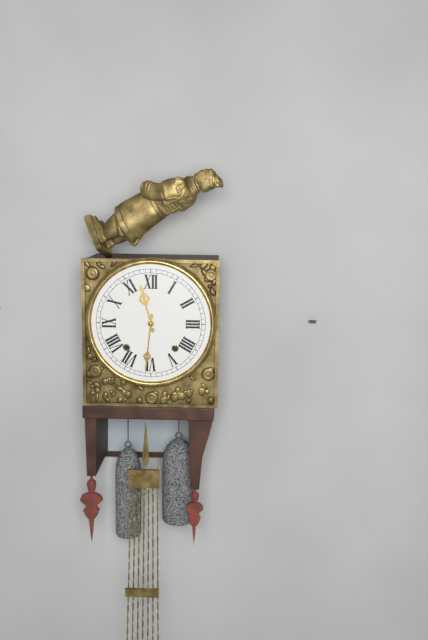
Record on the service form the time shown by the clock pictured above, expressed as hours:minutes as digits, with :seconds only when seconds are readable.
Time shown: 11:31
